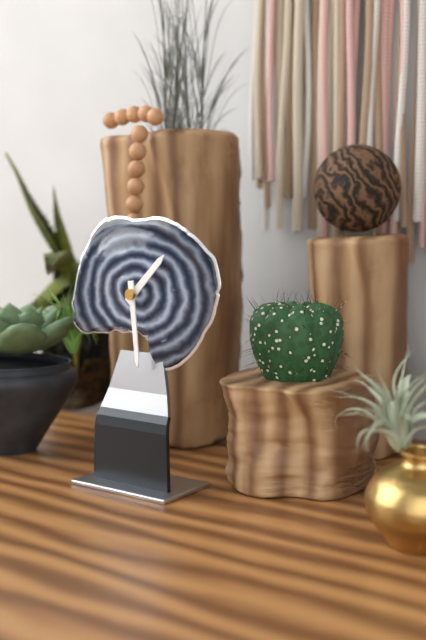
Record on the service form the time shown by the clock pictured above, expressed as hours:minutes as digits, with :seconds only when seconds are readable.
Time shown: 1:29
